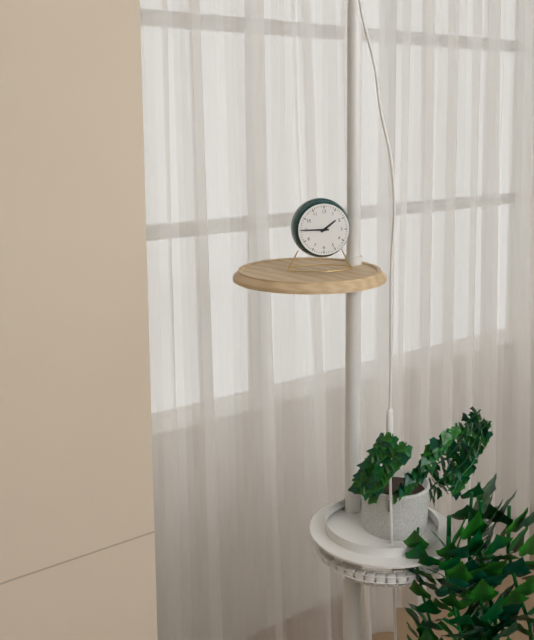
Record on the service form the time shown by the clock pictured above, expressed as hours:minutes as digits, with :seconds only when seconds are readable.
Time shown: 1:45
